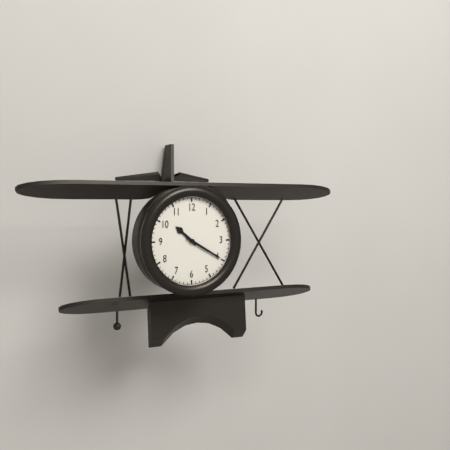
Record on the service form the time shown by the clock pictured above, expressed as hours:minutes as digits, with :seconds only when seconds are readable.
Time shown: 10:20
